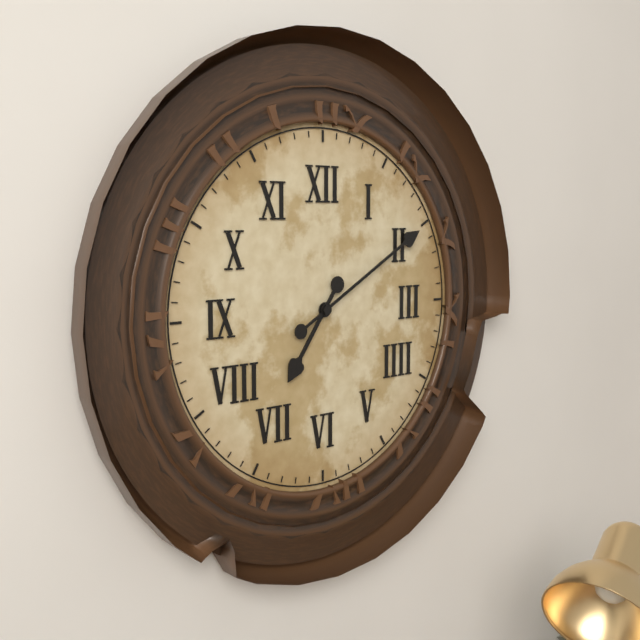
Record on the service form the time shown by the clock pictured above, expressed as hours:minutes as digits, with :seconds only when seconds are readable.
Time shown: 7:10
